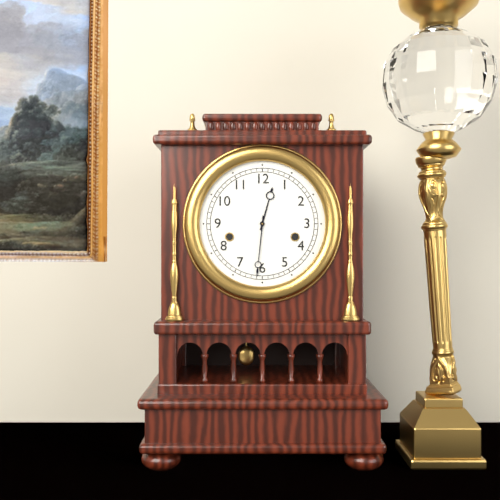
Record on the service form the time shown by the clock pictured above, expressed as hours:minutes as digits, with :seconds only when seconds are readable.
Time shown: 12:31
